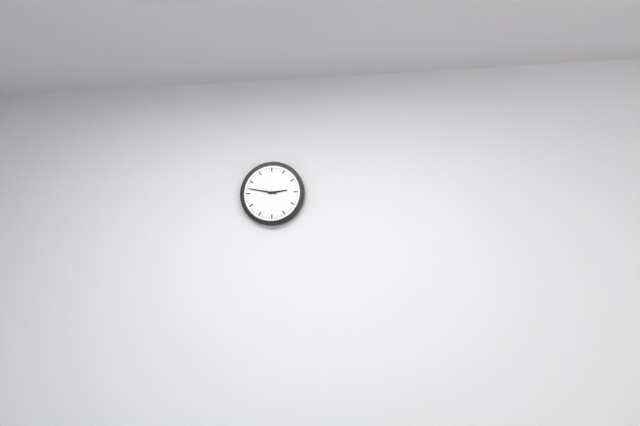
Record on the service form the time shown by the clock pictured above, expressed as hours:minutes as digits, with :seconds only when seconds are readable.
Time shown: 2:47
